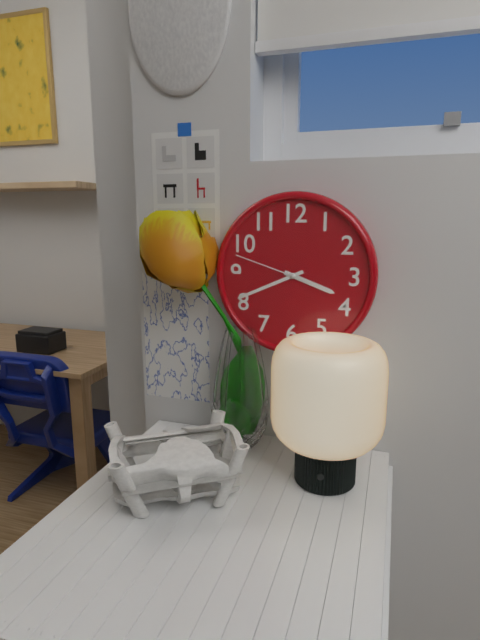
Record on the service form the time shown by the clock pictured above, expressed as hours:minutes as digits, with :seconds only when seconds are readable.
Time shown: 3:41:48
